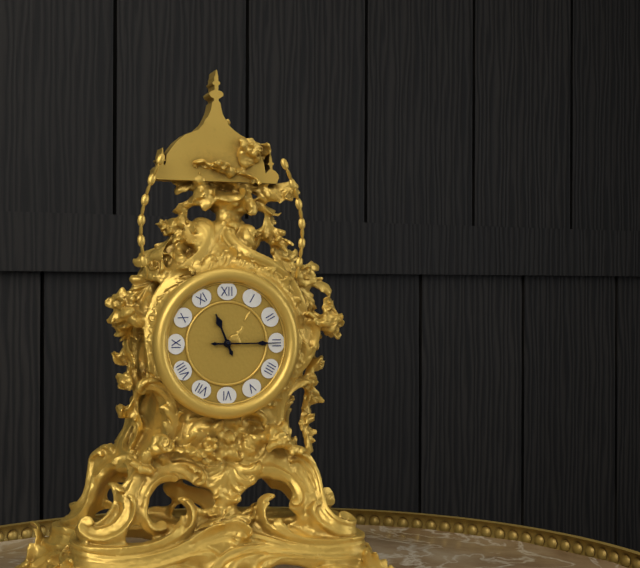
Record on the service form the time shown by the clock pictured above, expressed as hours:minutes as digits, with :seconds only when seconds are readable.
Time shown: 11:15
